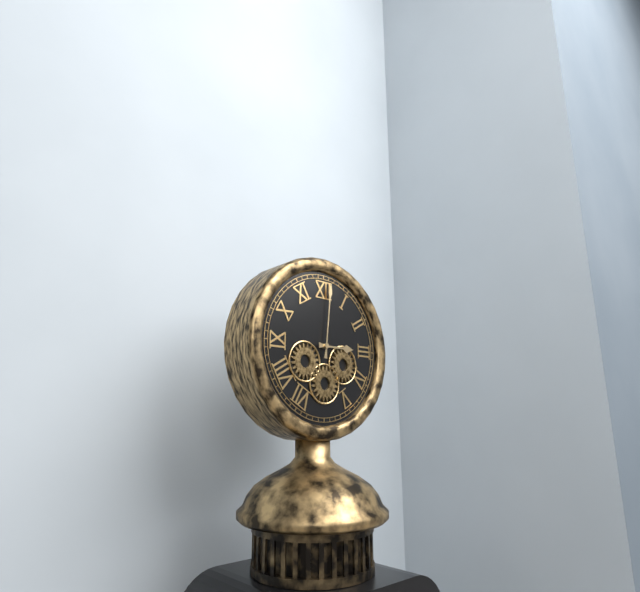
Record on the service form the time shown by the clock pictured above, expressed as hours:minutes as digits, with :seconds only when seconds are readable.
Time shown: 3:01
